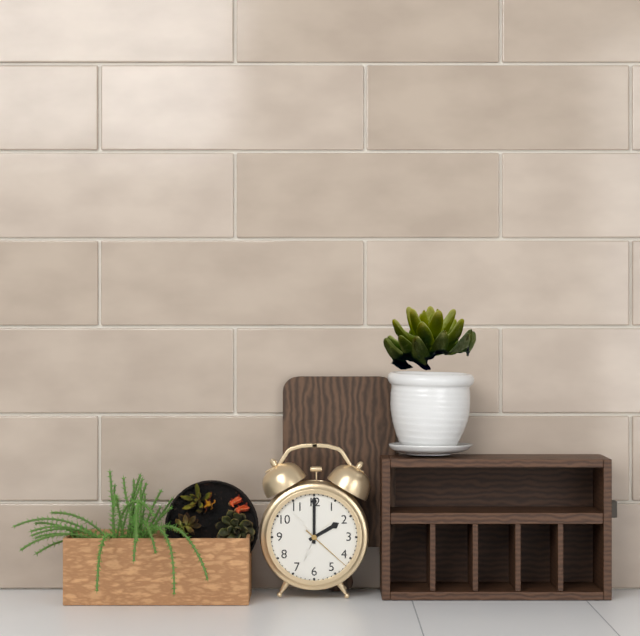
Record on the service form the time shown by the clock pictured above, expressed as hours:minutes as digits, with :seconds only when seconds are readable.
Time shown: 2:00:22
